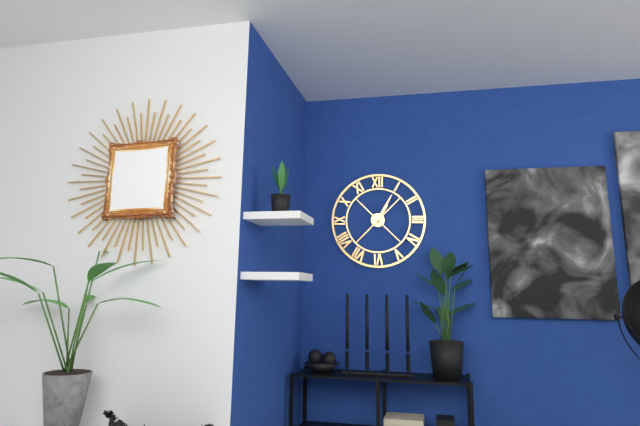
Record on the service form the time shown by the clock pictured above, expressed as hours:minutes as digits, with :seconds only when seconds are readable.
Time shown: 1:05
